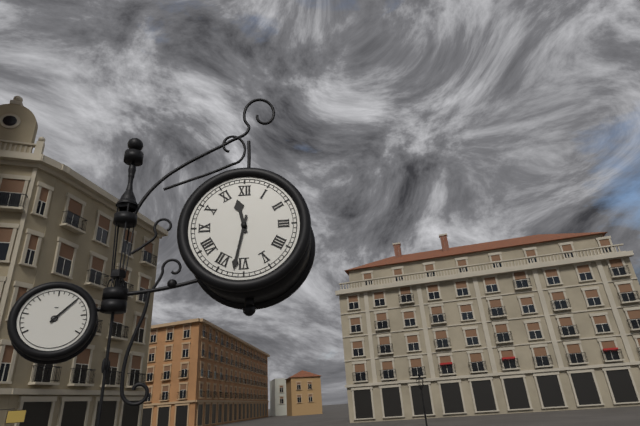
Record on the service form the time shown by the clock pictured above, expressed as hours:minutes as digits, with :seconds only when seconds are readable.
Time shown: 11:32
